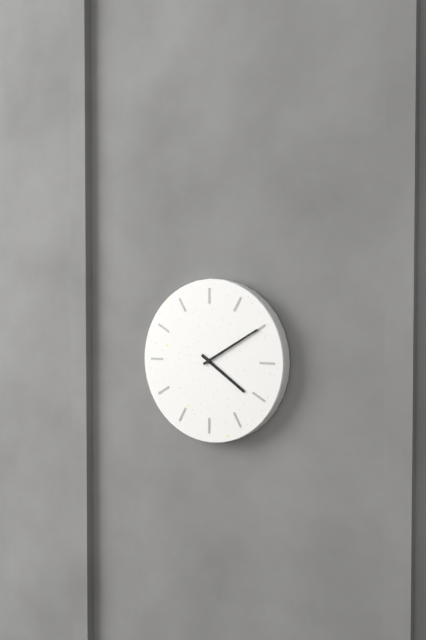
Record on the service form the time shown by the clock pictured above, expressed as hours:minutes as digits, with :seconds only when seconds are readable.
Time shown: 4:10
